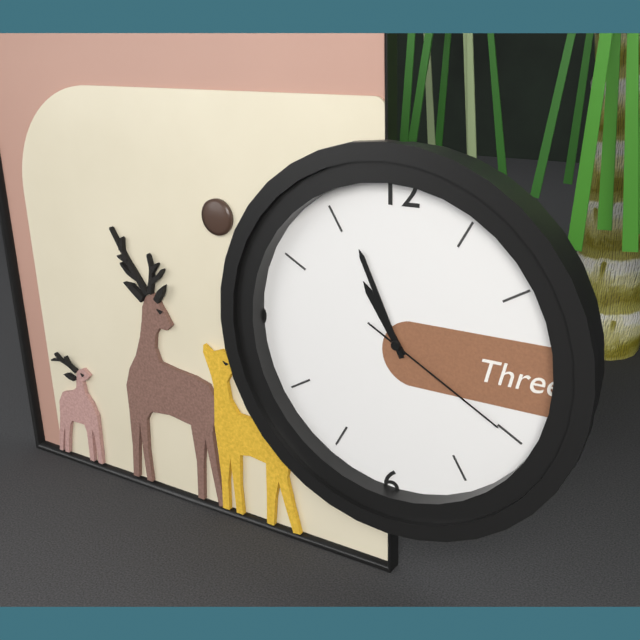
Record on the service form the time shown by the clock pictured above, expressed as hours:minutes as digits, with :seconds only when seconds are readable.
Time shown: 10:56:20
